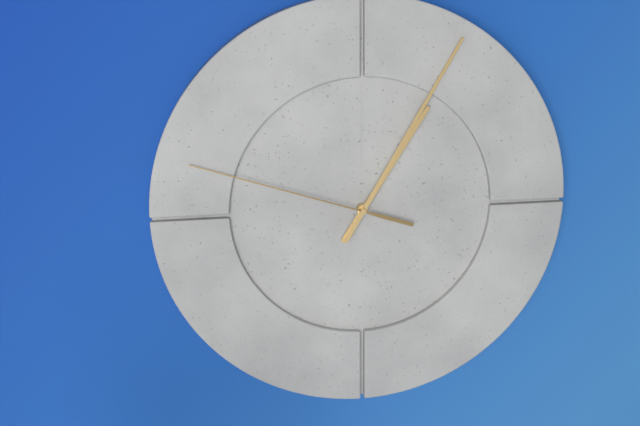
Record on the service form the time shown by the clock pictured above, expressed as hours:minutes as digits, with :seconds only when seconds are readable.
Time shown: 1:05:48
